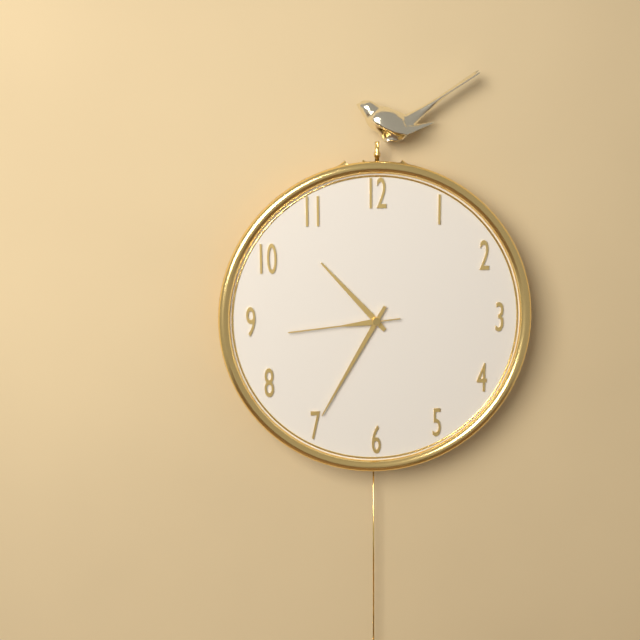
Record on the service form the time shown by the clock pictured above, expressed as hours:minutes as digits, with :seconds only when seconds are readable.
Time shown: 10:35:44
